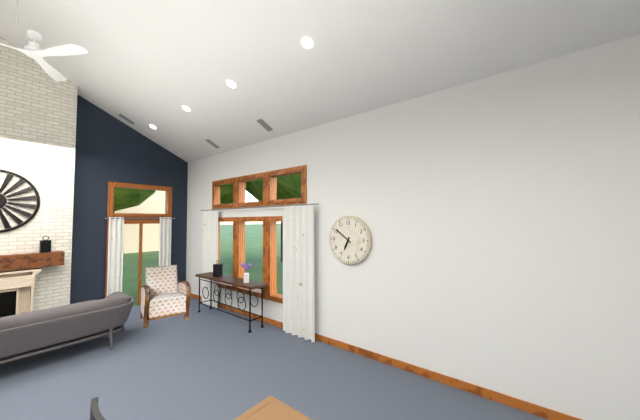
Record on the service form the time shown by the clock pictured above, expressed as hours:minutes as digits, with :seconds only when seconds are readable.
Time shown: 6:51
